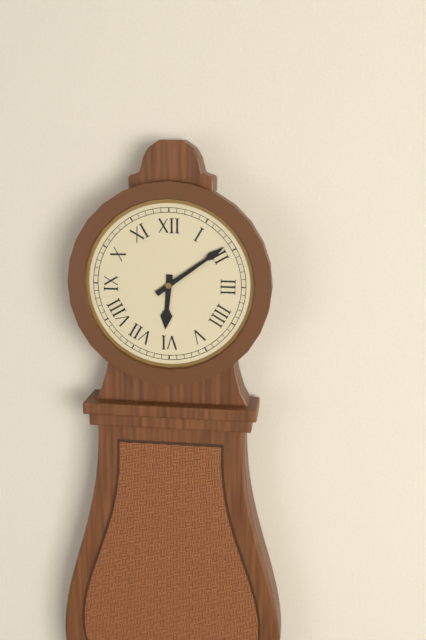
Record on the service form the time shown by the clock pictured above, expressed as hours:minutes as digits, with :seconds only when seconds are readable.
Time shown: 6:09
